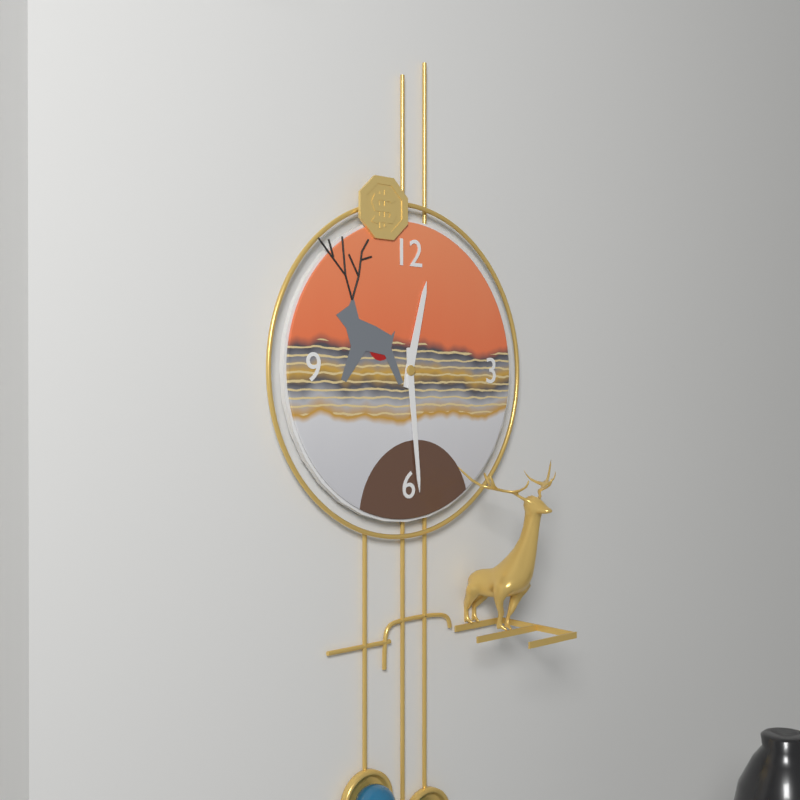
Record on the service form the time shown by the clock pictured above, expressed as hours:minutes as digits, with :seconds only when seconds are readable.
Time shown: 12:29
